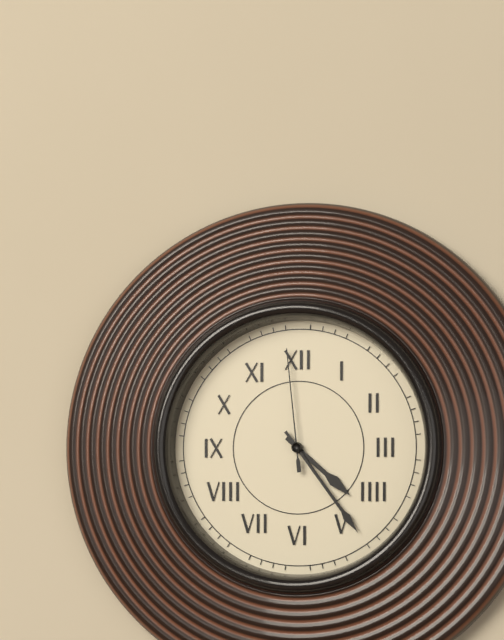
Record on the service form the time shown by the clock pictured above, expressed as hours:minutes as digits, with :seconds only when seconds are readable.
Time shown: 4:24:59
